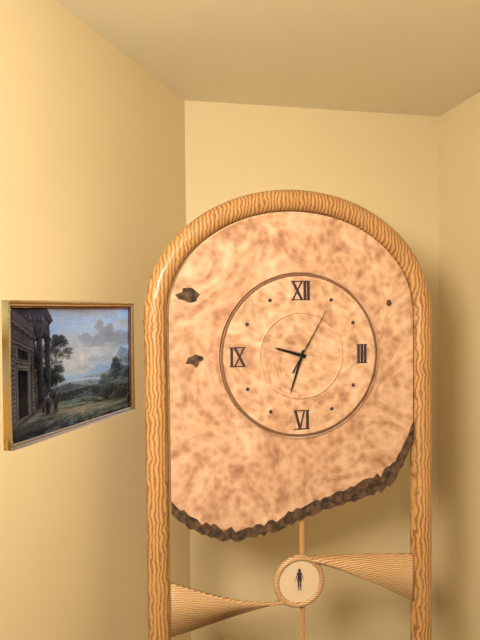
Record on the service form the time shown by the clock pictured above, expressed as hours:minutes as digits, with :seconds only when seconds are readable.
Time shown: 9:33:05
